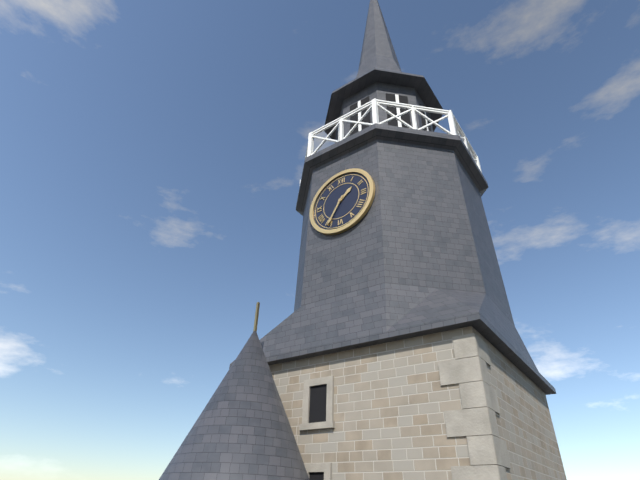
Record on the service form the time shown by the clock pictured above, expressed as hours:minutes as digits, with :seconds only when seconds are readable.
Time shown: 1:35
